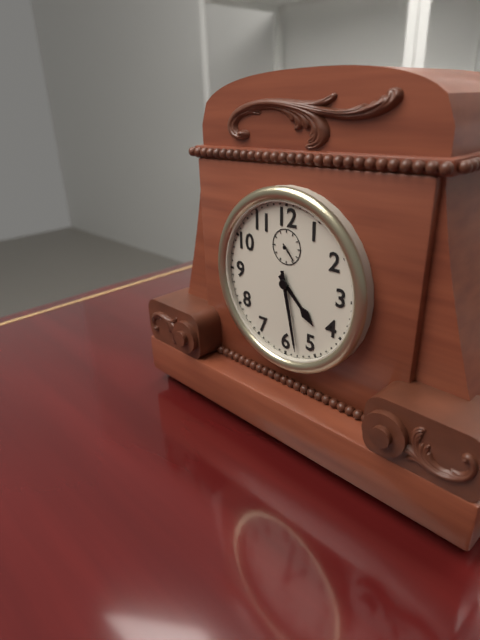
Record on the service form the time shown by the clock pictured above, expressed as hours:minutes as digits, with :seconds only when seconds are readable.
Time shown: 4:28
